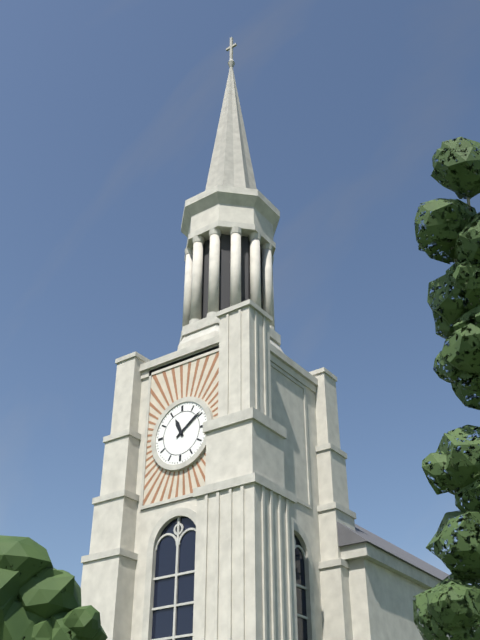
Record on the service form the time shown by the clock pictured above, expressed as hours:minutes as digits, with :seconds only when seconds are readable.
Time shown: 11:09
